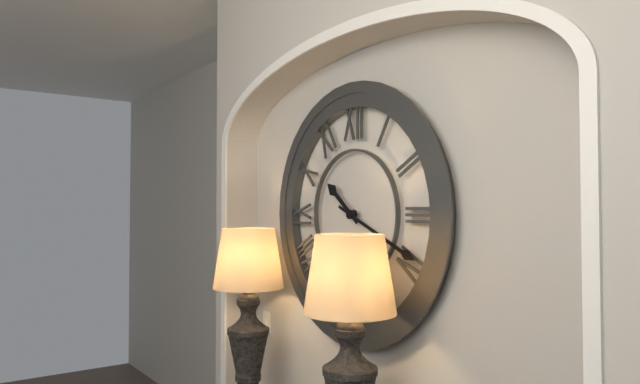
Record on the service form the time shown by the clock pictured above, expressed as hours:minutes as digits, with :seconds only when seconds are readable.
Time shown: 10:19
